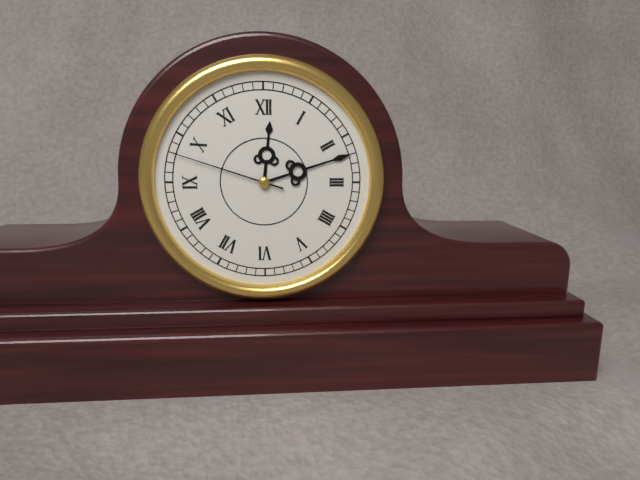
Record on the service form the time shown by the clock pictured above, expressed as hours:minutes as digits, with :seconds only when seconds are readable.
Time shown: 12:12:48
